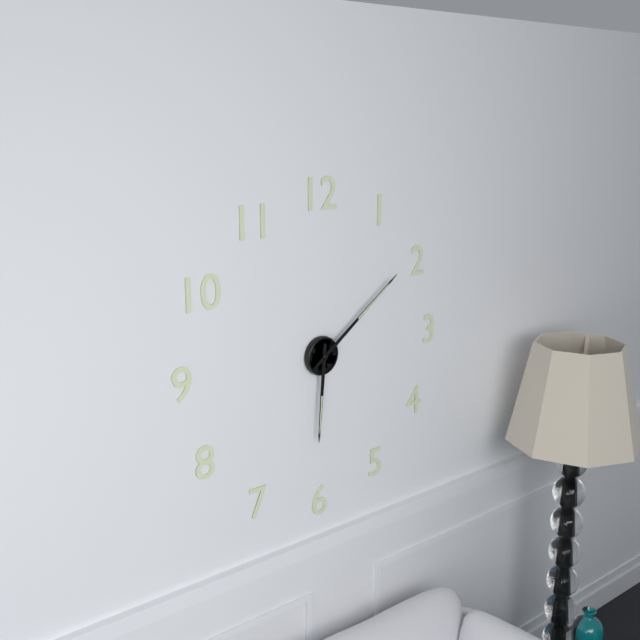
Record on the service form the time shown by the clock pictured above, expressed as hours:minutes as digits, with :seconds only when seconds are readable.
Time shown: 6:09
